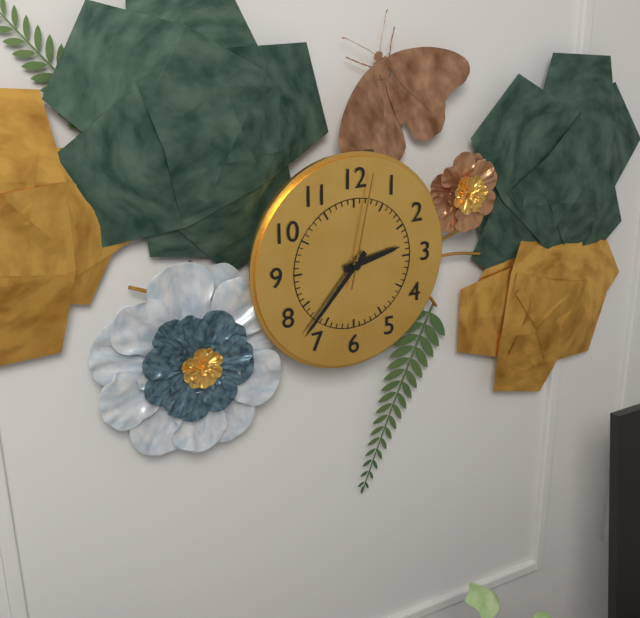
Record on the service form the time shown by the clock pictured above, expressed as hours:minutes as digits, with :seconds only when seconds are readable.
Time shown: 2:37:02
